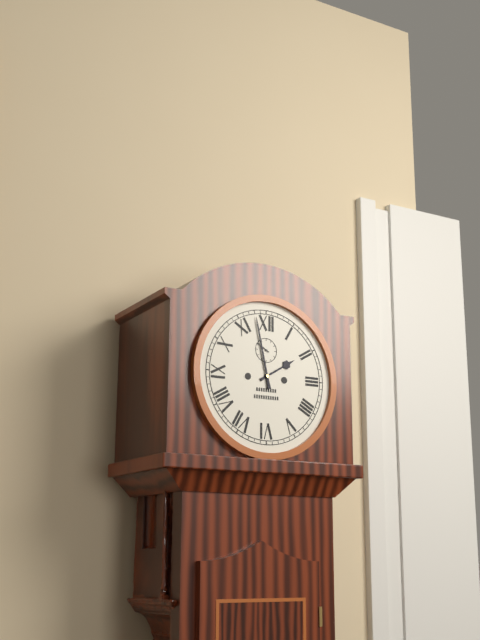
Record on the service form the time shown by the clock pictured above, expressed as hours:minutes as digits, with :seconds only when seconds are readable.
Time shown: 1:58
